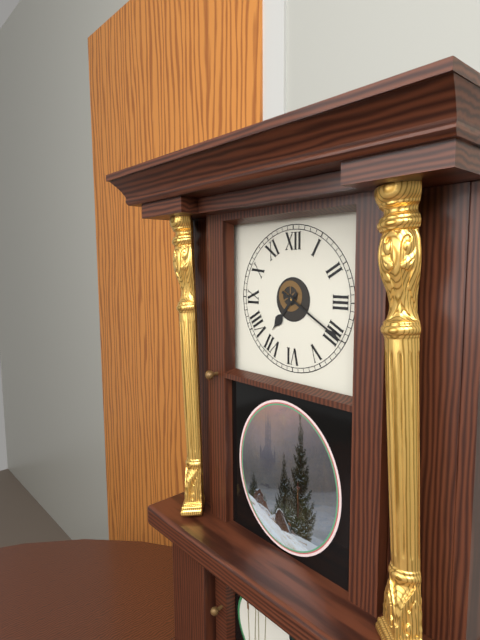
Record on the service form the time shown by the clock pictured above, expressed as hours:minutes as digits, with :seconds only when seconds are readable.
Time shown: 7:20
